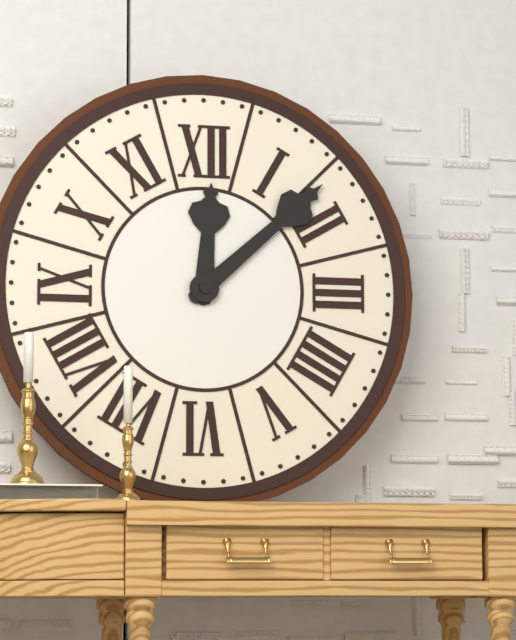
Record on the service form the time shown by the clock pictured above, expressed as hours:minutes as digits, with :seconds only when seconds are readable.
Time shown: 12:08
